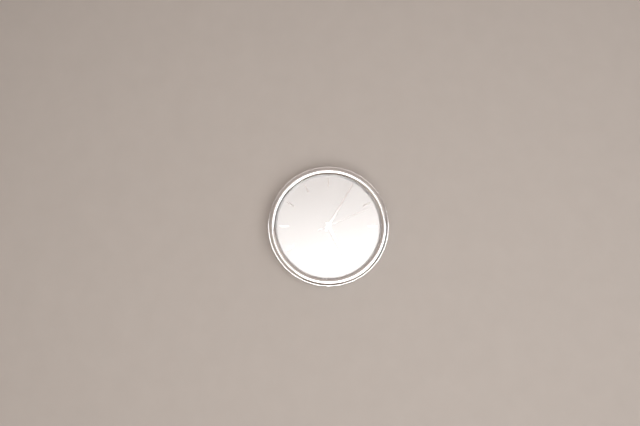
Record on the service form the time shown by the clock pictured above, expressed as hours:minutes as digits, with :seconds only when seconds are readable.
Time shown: 5:05:11
